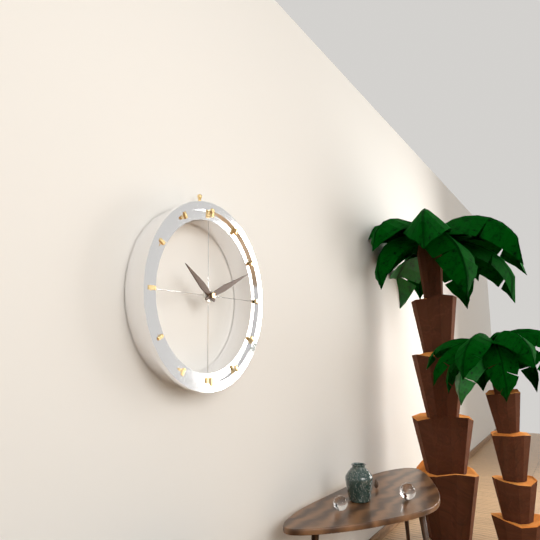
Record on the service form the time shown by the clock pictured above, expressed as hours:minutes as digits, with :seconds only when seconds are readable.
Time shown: 10:11
